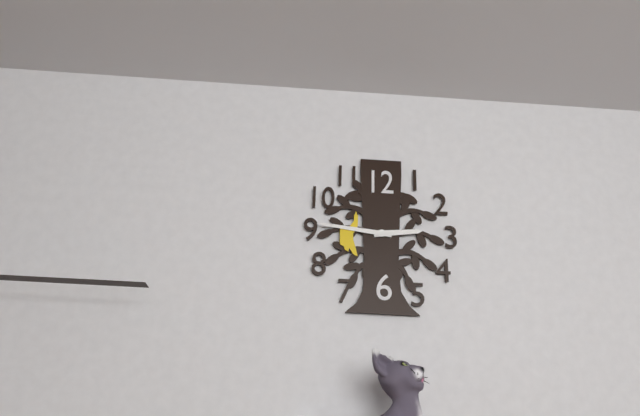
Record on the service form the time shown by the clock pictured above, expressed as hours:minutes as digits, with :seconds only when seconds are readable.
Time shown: 2:46
